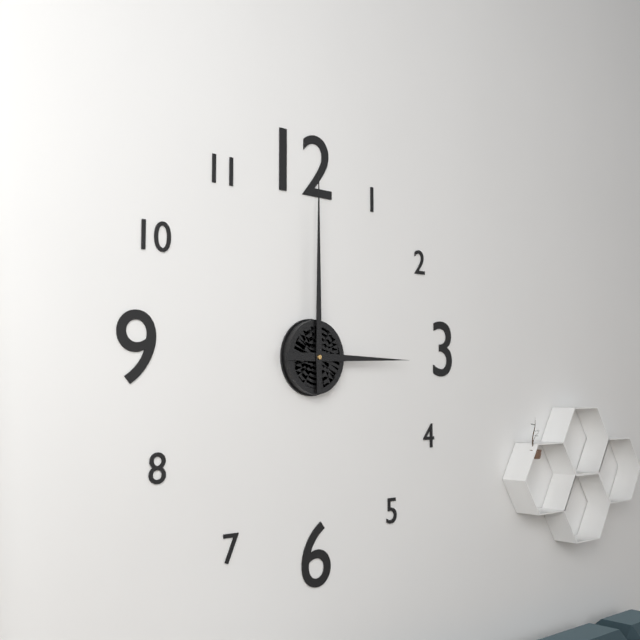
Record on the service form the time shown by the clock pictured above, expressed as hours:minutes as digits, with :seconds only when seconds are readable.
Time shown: 3:00
